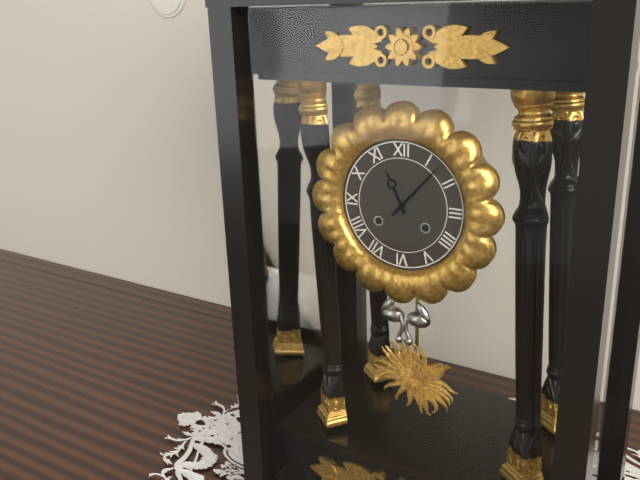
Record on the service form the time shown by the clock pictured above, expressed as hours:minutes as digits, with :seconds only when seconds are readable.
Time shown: 11:07
